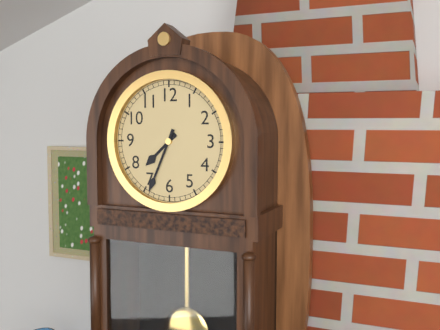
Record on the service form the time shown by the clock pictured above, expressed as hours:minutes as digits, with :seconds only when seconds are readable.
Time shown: 7:34
